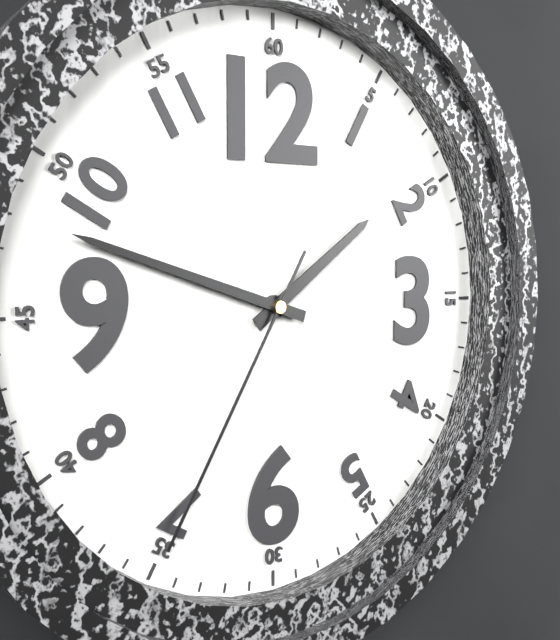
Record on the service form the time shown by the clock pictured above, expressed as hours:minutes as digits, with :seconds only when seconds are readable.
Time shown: 1:48:35
